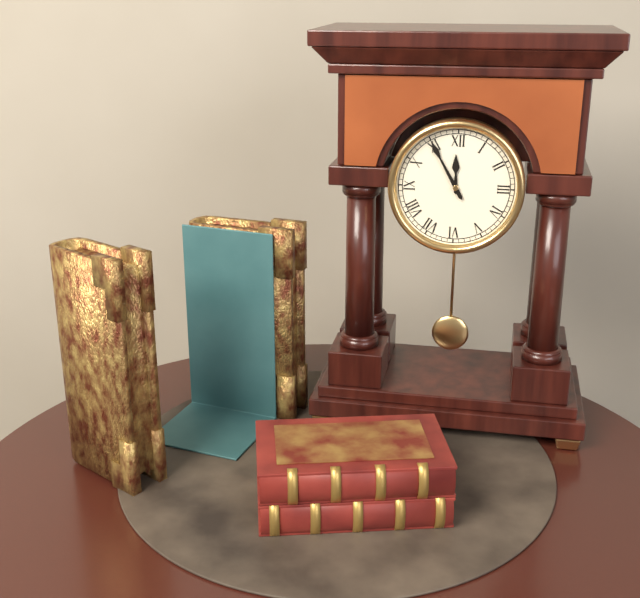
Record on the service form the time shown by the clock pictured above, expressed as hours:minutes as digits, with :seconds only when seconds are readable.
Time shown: 11:55
